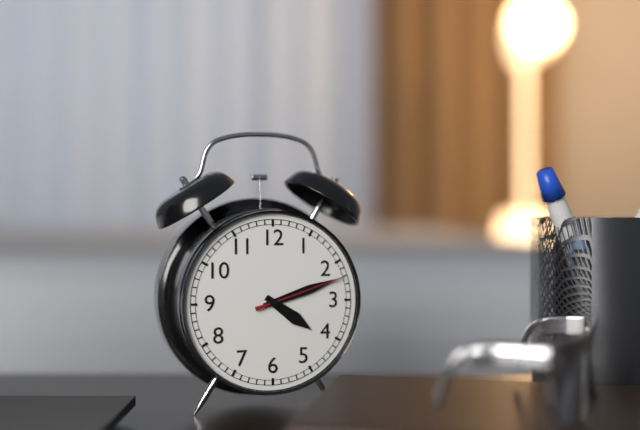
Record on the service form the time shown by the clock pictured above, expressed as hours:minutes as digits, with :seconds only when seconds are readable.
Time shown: 4:12:12
